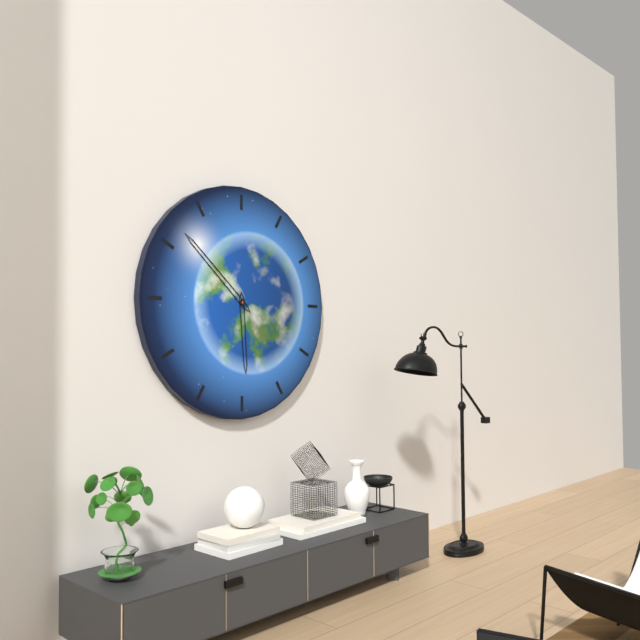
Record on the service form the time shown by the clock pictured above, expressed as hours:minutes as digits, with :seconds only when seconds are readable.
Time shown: 5:52
